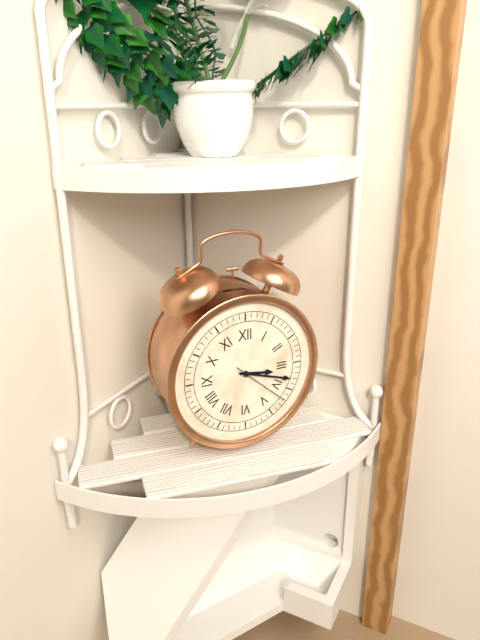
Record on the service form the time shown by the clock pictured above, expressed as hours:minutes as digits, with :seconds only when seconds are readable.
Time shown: 3:18:22
